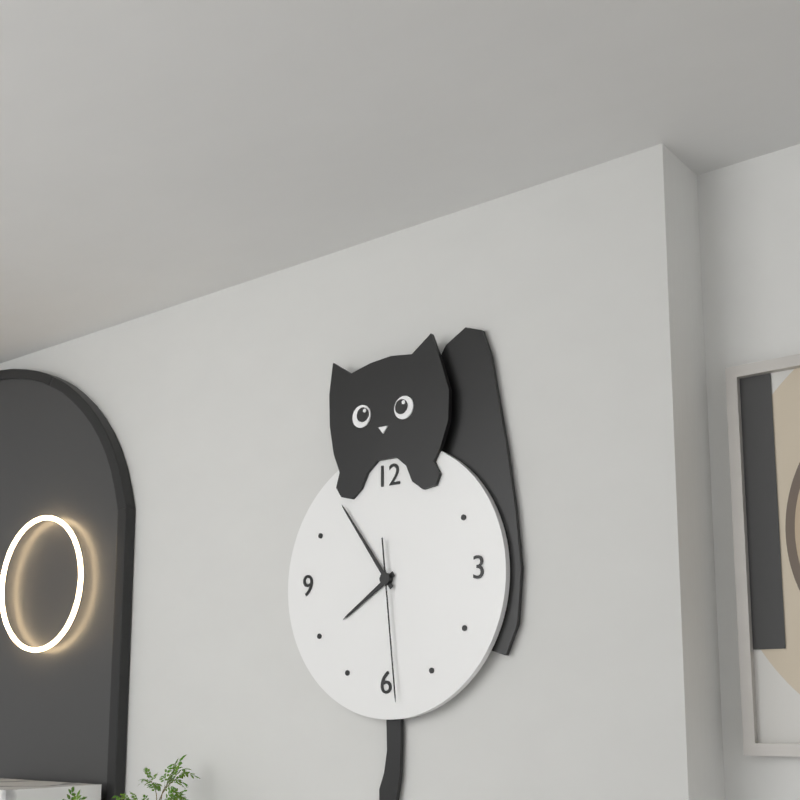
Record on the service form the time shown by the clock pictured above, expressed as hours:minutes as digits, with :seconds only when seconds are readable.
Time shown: 7:54:29
